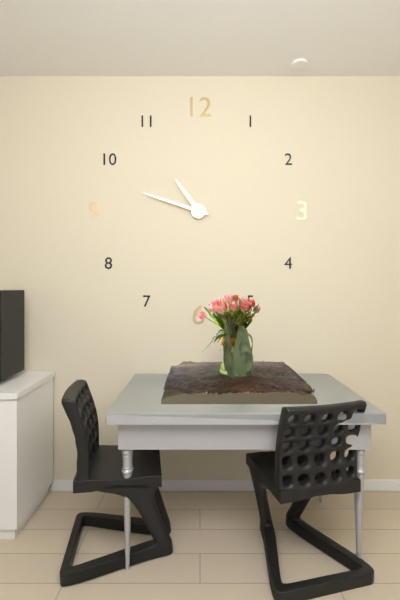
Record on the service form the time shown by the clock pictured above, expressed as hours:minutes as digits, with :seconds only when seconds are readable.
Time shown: 10:48
